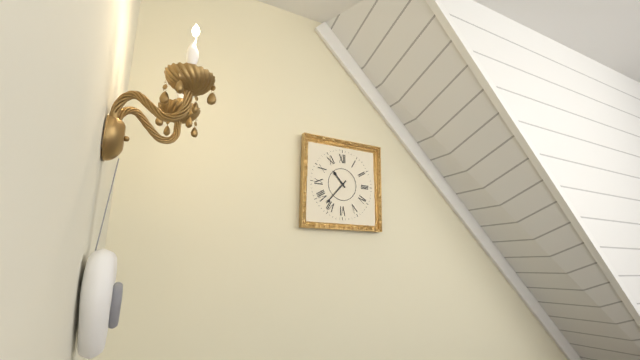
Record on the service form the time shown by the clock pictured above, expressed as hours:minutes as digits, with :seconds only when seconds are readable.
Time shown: 10:37
